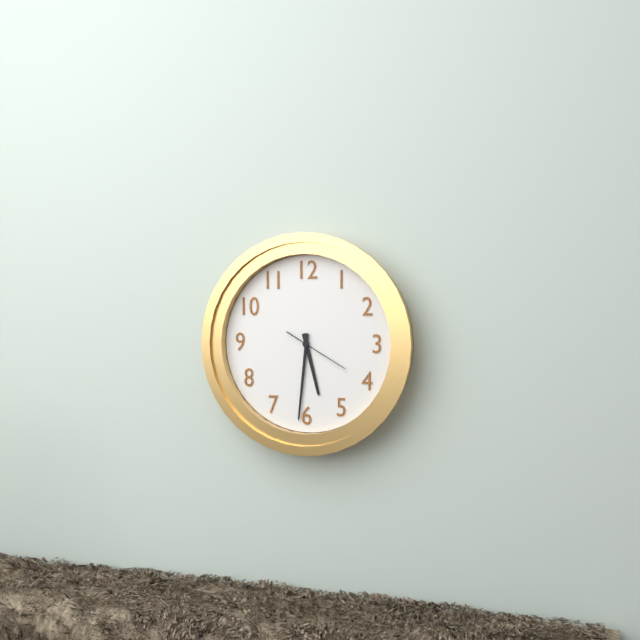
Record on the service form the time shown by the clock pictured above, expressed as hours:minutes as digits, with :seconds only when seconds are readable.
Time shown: 5:31:20
